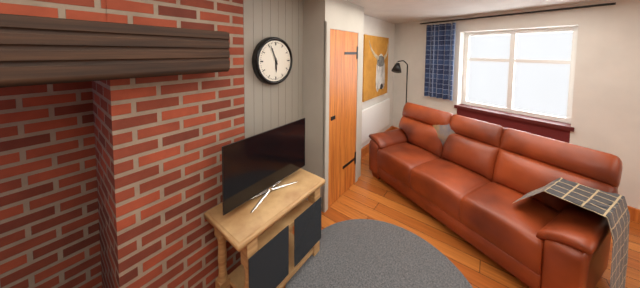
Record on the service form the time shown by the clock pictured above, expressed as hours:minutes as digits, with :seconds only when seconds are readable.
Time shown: 5:56
